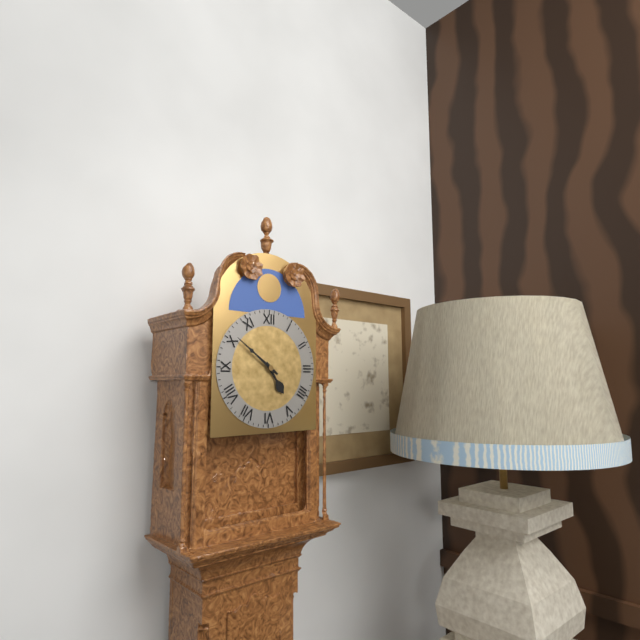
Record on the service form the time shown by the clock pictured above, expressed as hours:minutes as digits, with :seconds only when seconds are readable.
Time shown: 4:51
